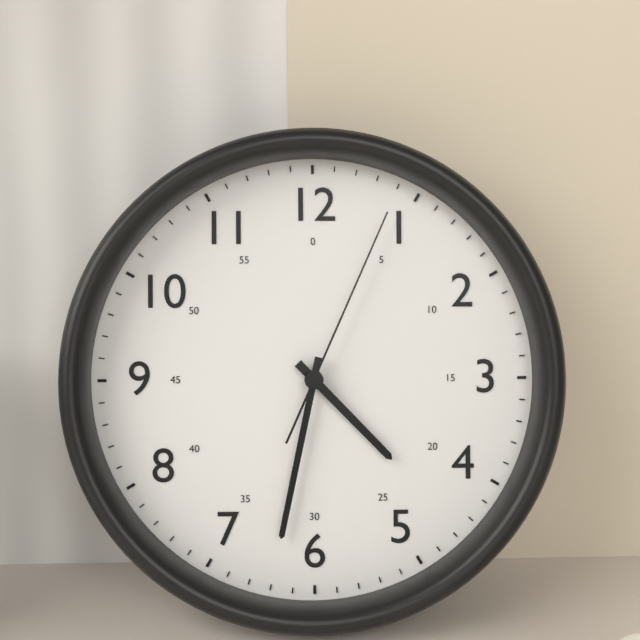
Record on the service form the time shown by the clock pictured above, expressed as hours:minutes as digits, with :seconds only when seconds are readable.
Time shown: 4:32:04
